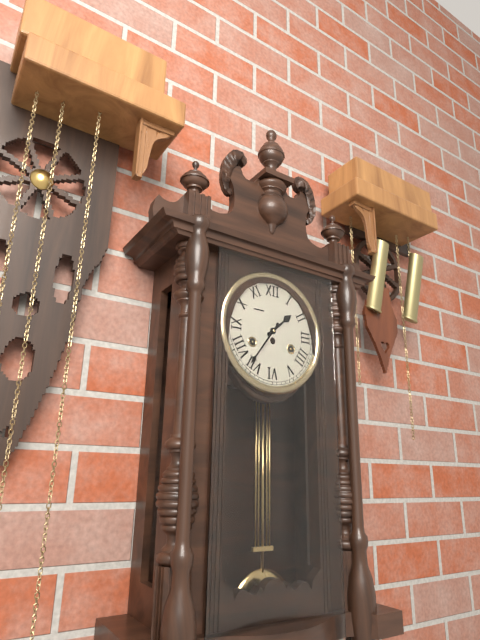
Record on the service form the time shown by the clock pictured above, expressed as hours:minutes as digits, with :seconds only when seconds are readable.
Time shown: 1:36
